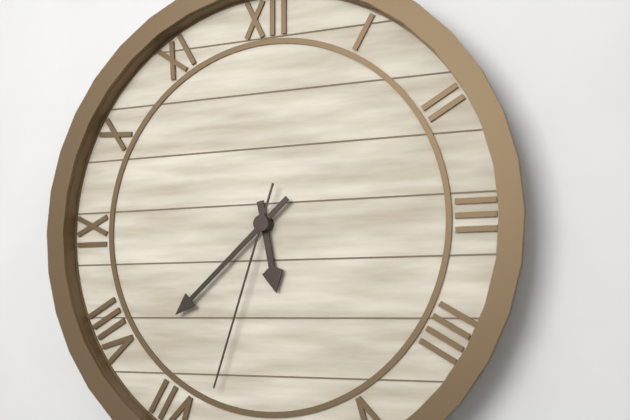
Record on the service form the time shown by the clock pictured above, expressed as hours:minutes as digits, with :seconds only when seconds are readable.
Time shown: 5:38:33
